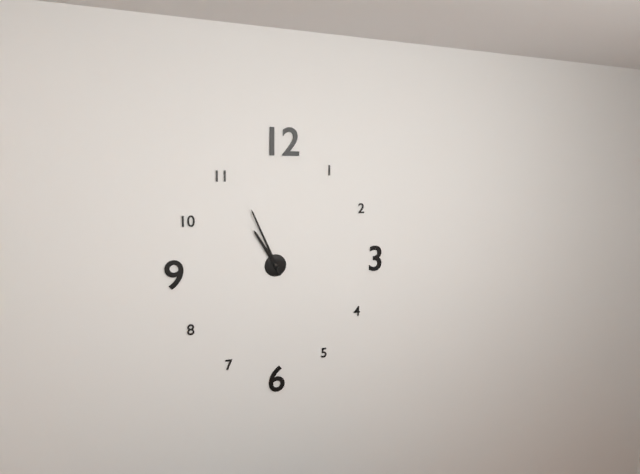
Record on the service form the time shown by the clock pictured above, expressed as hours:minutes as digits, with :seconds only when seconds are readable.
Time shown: 10:56
